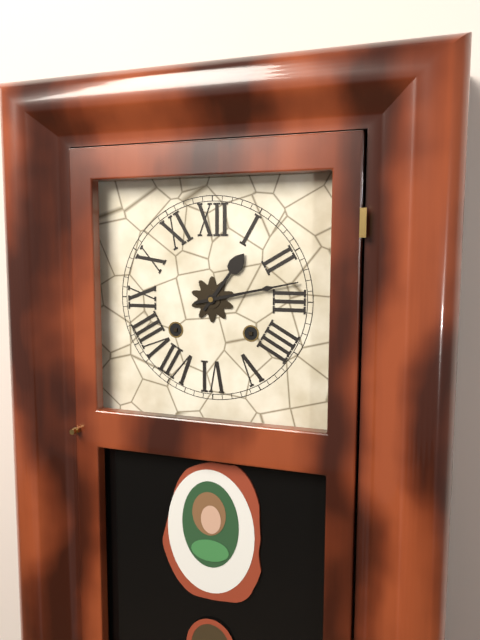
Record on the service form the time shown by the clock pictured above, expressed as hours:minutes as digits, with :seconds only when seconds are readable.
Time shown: 1:13
